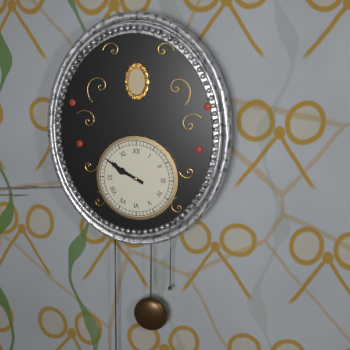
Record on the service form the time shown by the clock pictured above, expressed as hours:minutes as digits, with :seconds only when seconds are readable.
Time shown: 9:50
